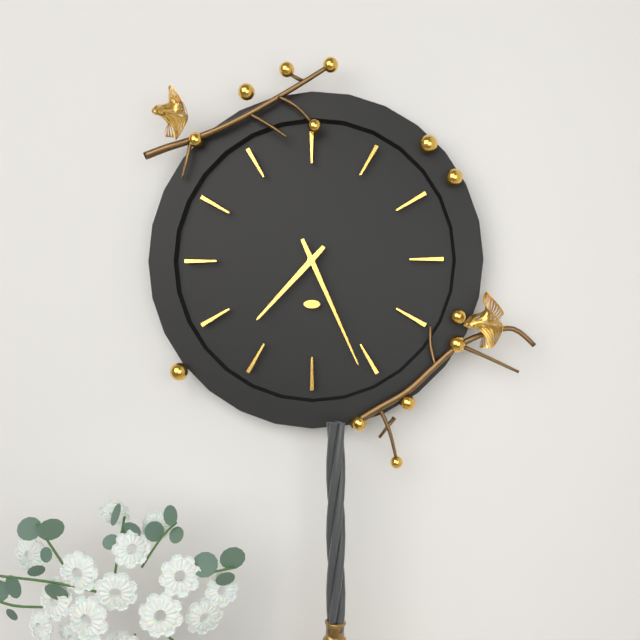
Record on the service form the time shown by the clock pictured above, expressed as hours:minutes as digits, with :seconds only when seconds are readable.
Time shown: 7:26
